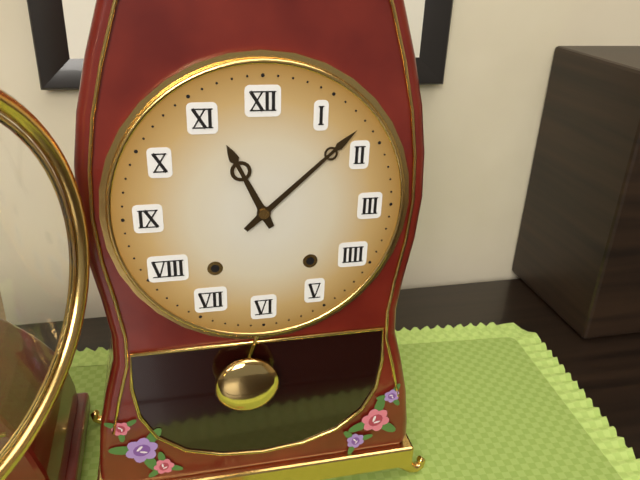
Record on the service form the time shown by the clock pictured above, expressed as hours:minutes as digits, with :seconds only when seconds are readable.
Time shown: 11:08
